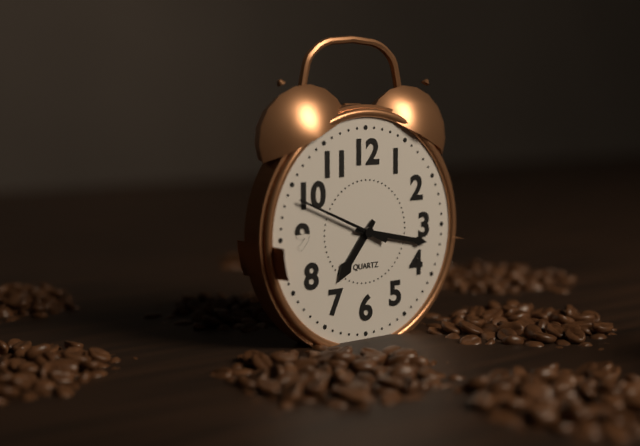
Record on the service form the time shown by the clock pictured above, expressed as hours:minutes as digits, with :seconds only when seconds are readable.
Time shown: 7:17:49
